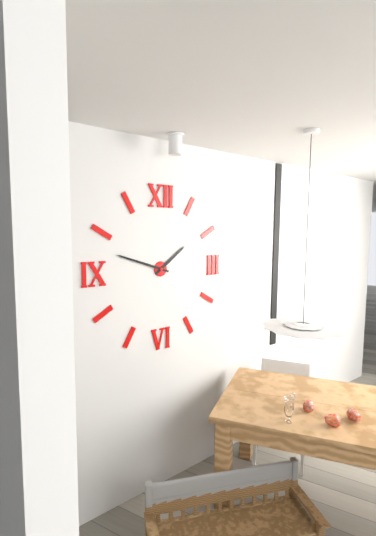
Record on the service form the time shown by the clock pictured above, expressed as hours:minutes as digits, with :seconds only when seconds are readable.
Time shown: 1:48
